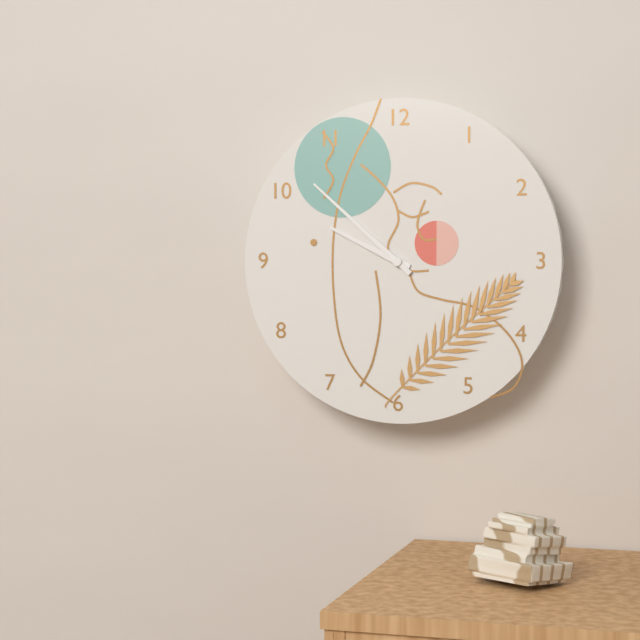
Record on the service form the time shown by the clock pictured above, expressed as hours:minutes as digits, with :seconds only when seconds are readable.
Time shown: 9:52
